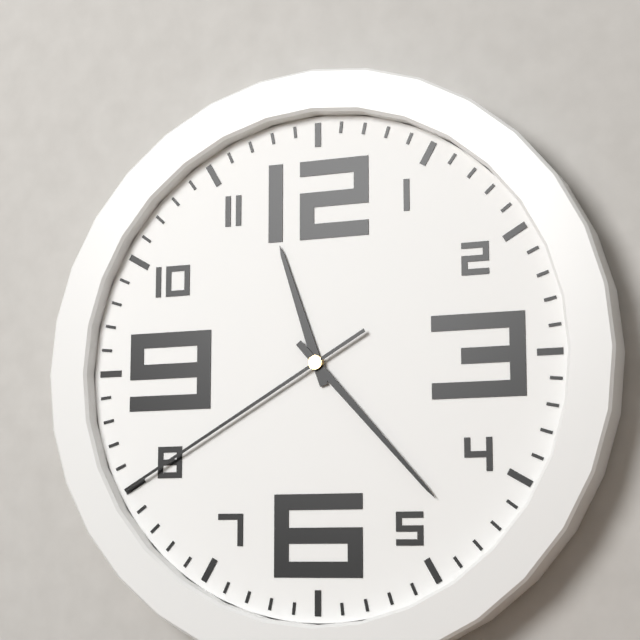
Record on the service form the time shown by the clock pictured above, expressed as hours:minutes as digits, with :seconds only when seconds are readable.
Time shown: 11:23:40
